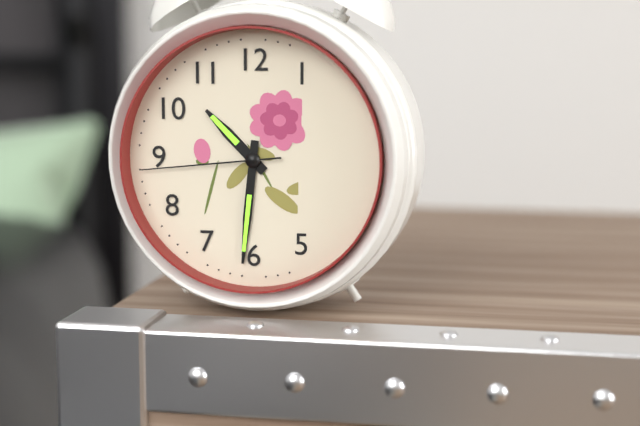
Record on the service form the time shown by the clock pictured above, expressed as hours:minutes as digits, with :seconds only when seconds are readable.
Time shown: 10:31:44
